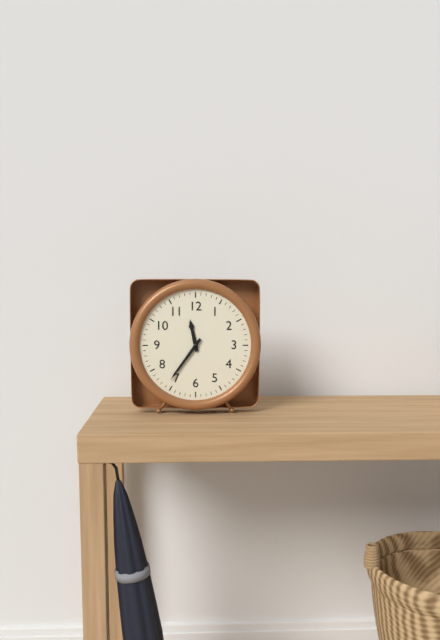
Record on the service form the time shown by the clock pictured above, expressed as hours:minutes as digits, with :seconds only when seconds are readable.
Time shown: 11:36
